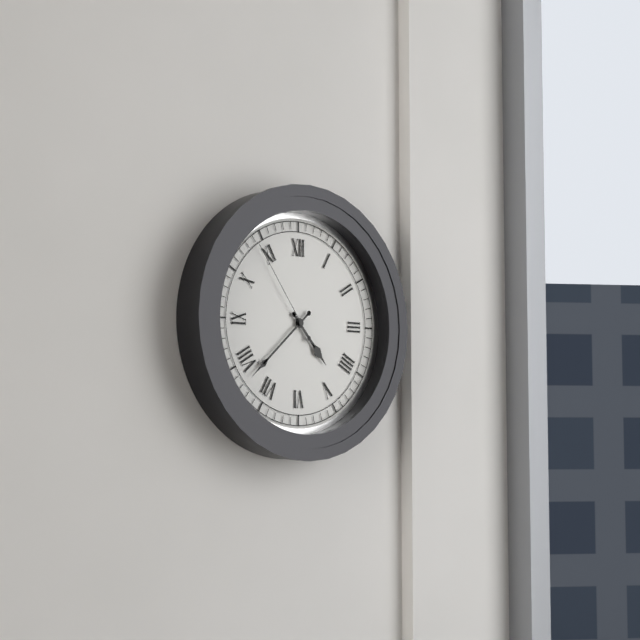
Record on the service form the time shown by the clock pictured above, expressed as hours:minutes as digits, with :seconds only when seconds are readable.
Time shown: 4:38:54
